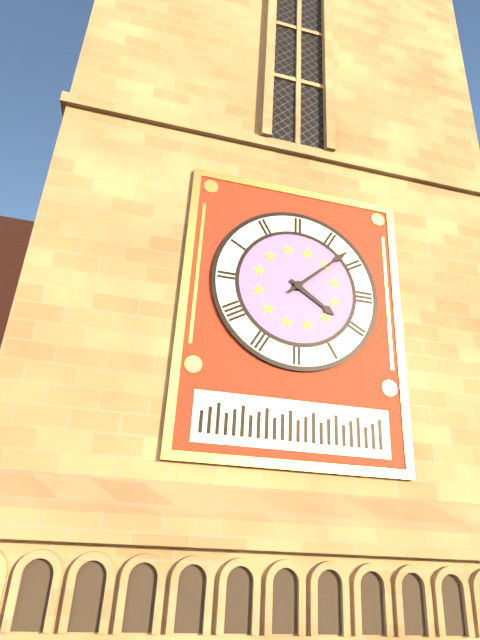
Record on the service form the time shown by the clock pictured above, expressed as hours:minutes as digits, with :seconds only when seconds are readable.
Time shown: 4:08
